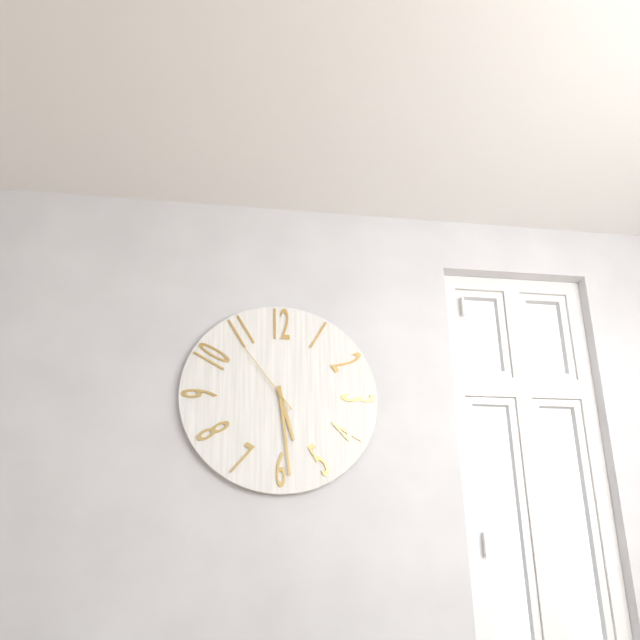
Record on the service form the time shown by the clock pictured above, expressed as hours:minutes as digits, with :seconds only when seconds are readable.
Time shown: 5:29:54
